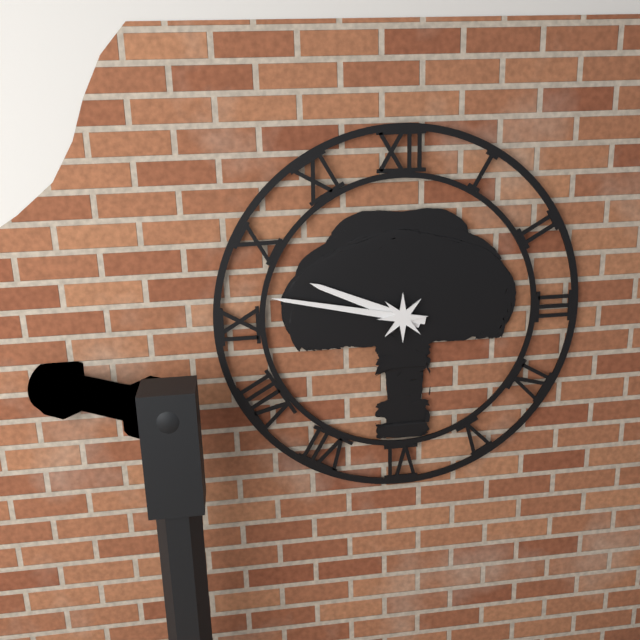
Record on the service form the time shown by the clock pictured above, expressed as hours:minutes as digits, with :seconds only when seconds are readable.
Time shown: 9:47
